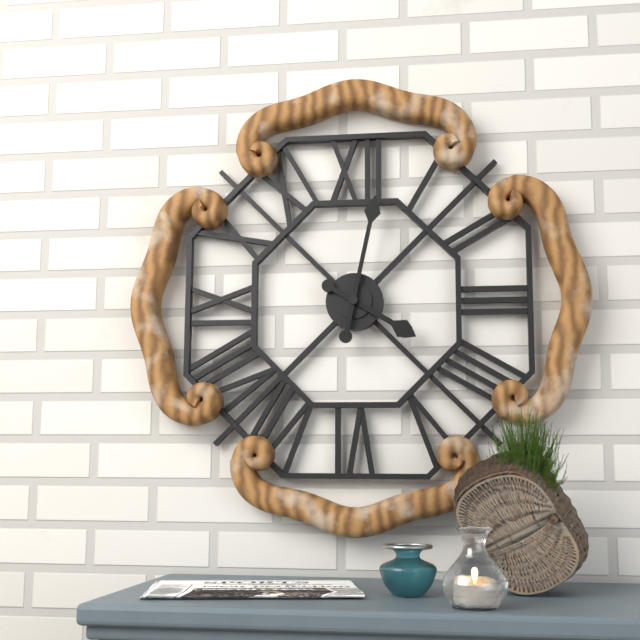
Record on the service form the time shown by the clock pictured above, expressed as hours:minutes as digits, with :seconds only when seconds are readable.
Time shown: 4:02
